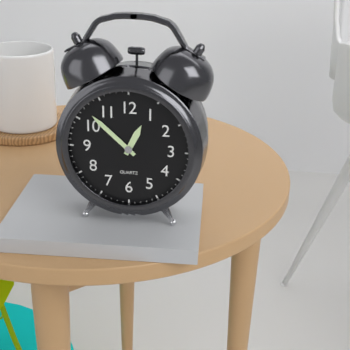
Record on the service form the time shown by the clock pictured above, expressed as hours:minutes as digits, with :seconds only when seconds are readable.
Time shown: 12:52
